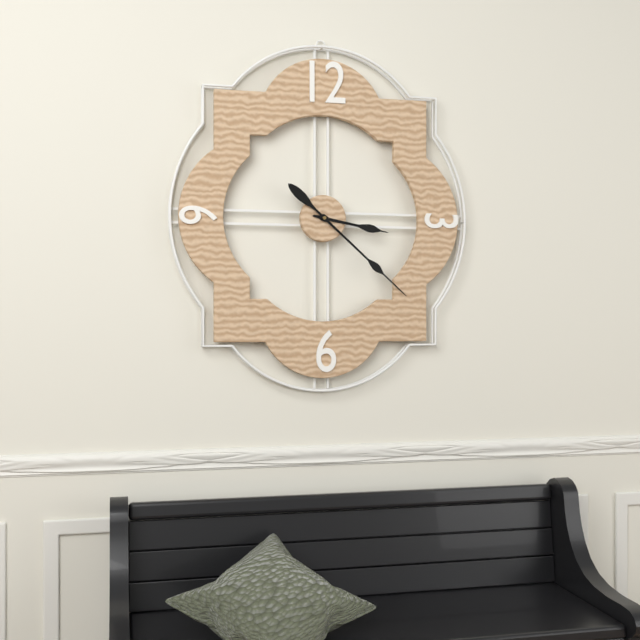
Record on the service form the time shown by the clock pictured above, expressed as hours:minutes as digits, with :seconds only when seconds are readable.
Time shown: 3:22
